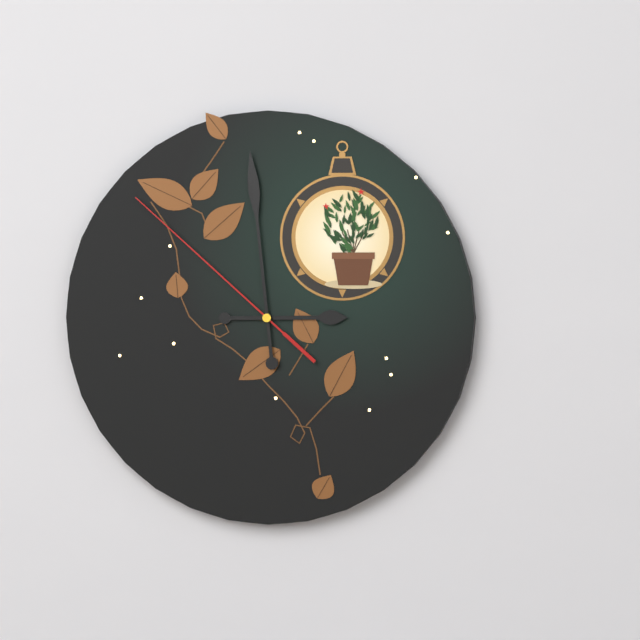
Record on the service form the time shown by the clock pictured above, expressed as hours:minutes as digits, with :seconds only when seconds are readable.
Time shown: 2:59:52
